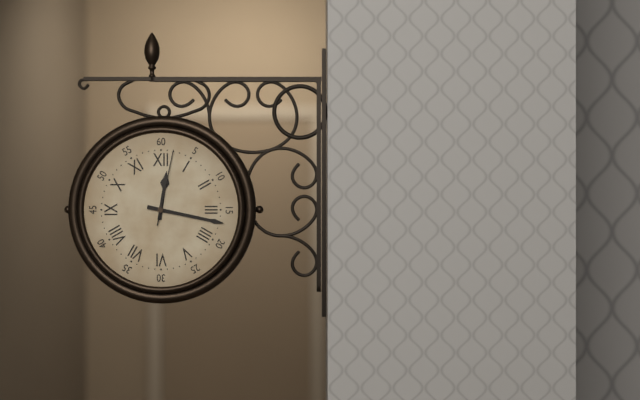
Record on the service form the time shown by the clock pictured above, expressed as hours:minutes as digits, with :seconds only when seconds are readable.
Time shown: 12:17:02
